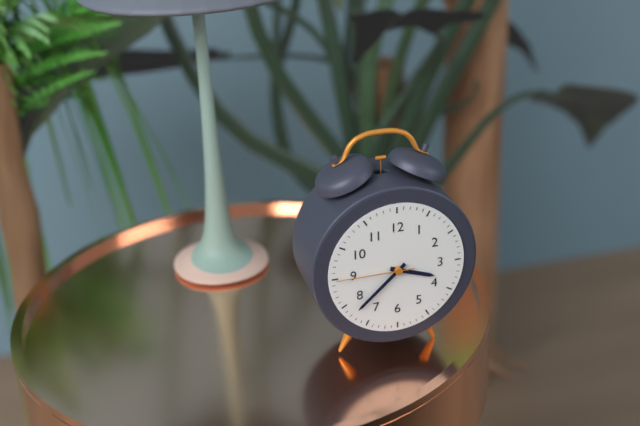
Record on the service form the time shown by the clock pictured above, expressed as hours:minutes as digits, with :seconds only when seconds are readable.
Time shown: 3:38:45
